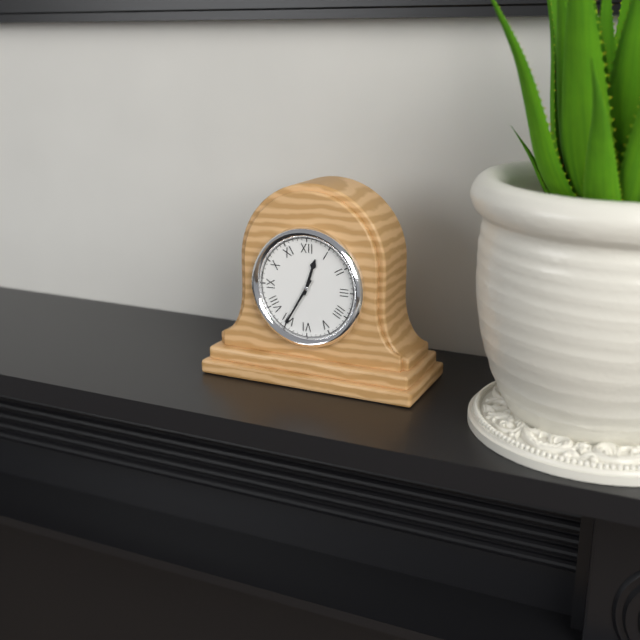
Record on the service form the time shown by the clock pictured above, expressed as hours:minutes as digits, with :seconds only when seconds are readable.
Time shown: 12:35
